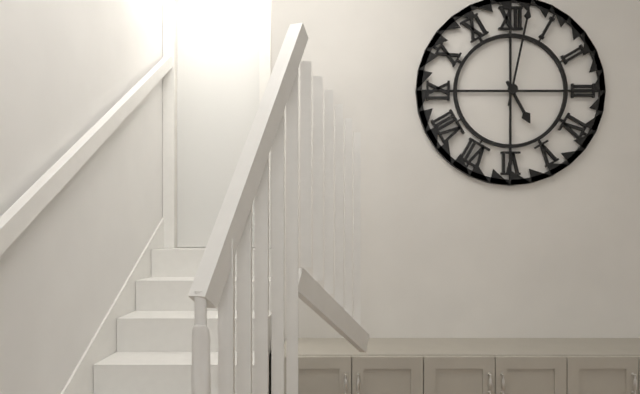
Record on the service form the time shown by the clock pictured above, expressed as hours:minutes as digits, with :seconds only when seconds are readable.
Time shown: 5:02
